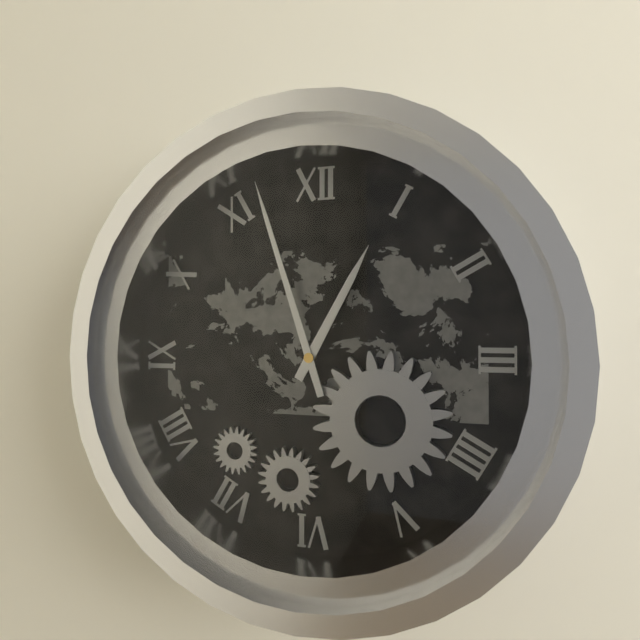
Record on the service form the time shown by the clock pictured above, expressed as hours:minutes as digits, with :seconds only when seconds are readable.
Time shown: 12:57
